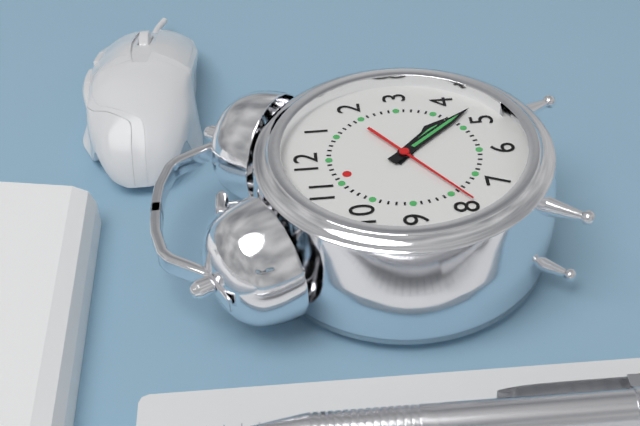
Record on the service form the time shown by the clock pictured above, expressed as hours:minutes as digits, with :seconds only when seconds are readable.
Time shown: 4:23:39
